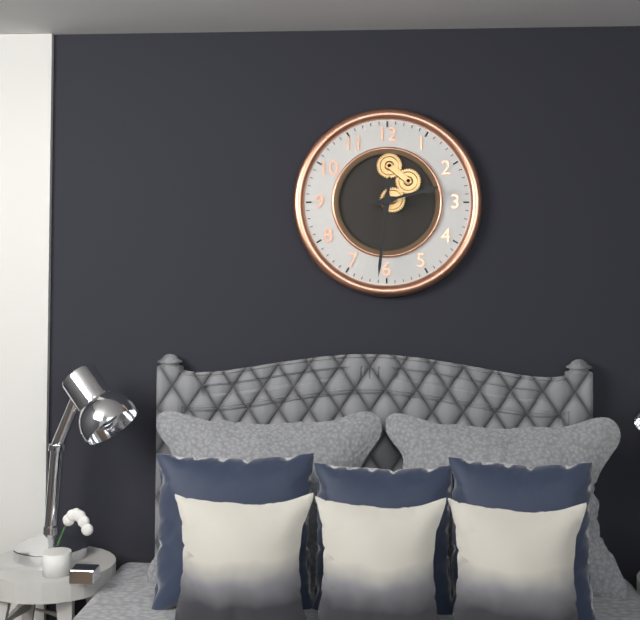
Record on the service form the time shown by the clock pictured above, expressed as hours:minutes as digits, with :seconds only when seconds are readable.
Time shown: 2:31
